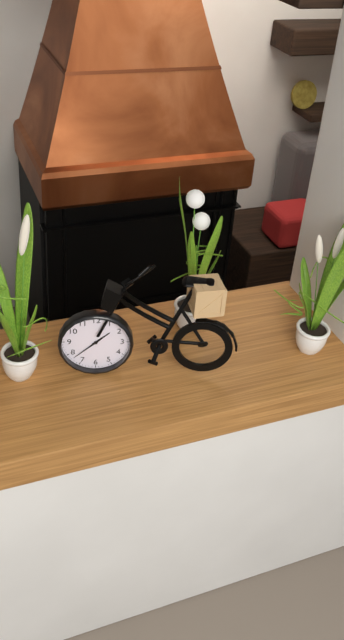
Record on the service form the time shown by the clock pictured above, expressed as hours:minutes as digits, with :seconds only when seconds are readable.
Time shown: 1:38
